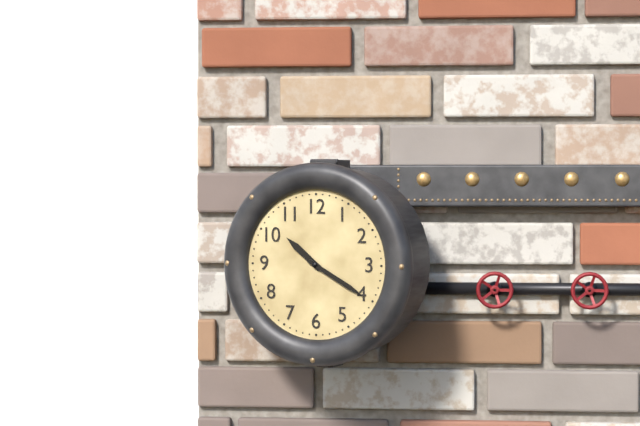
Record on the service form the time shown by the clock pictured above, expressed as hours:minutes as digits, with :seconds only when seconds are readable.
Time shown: 10:20
